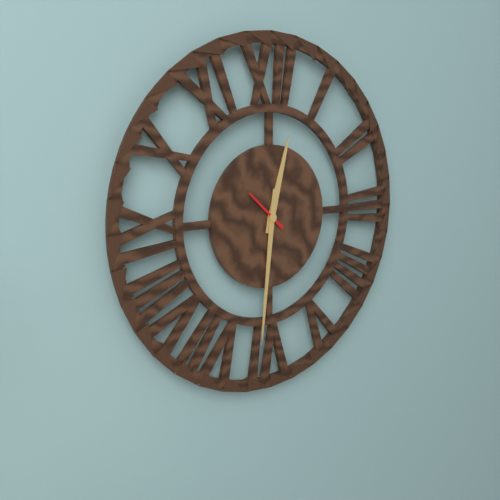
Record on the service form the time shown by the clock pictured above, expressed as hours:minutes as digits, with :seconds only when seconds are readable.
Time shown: 12:31
